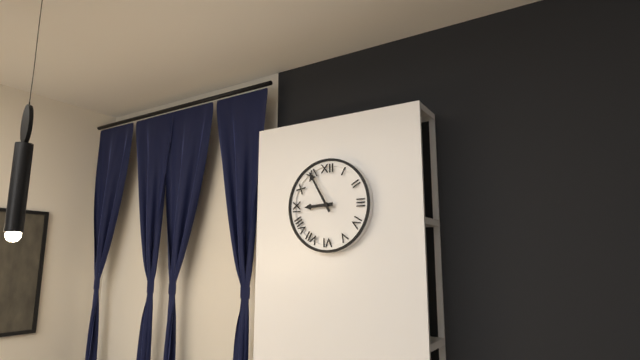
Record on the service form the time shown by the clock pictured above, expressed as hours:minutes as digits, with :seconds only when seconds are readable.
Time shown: 8:55
